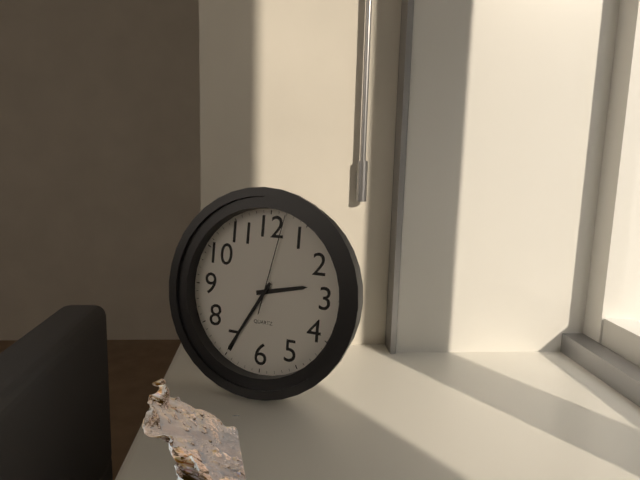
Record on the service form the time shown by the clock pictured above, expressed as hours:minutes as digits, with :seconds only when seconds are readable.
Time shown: 2:35:02
